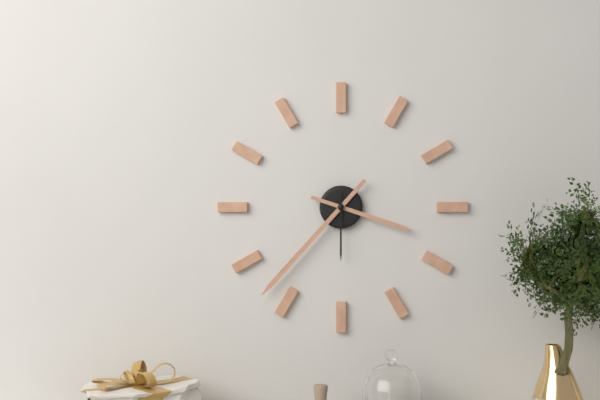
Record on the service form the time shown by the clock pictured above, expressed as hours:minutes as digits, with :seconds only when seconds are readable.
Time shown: 3:37:30
